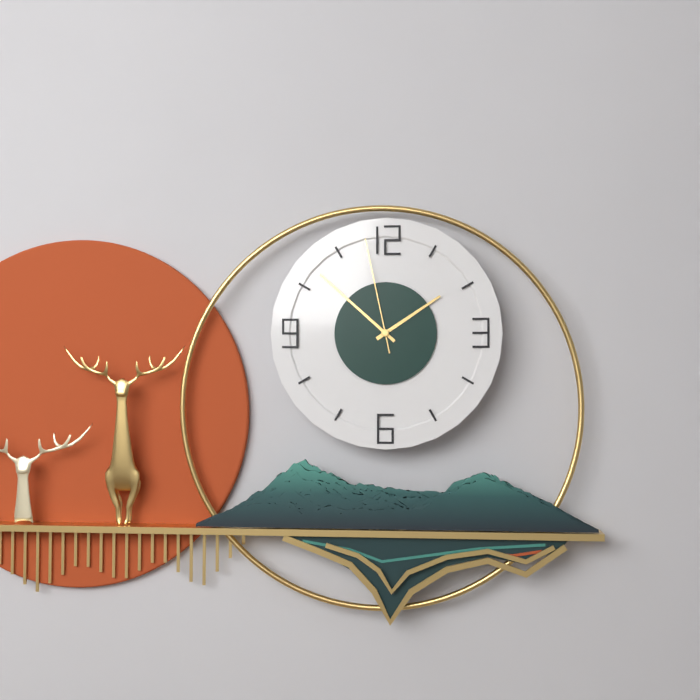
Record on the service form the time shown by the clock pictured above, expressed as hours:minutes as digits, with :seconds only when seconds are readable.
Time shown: 1:52:58
